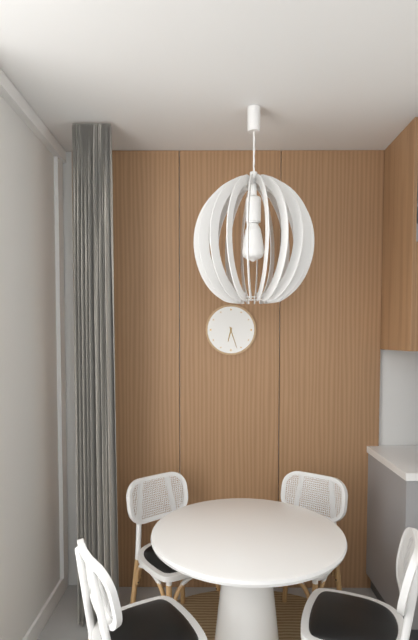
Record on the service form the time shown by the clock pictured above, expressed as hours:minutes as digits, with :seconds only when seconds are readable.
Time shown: 6:27
